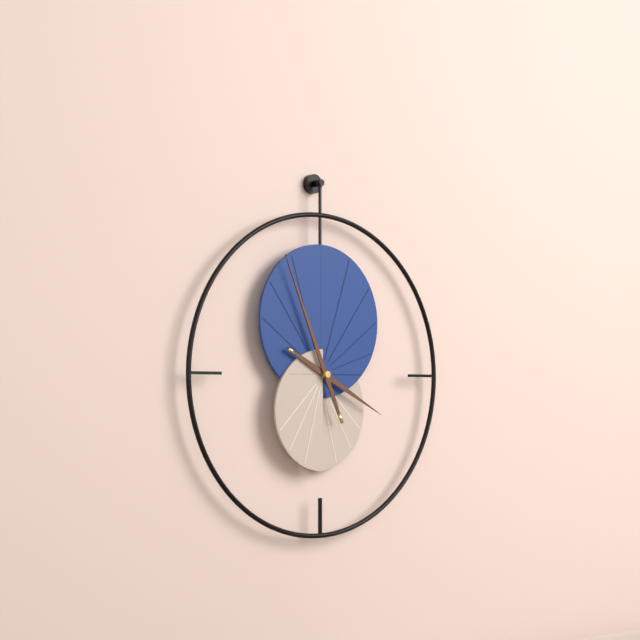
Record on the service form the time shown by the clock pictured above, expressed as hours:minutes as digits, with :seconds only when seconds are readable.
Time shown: 3:56
